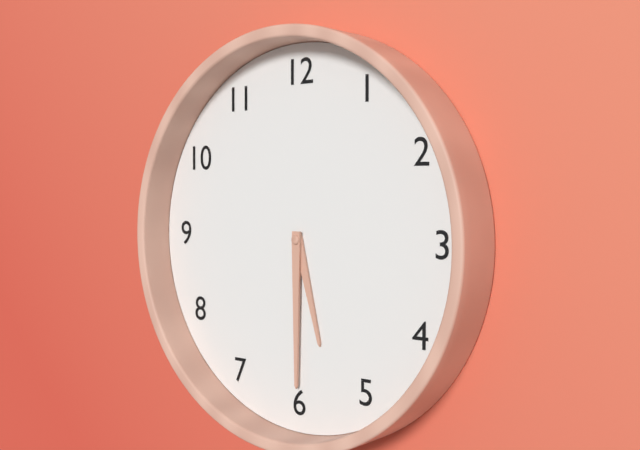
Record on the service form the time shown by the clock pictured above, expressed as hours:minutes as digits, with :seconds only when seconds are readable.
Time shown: 5:30
